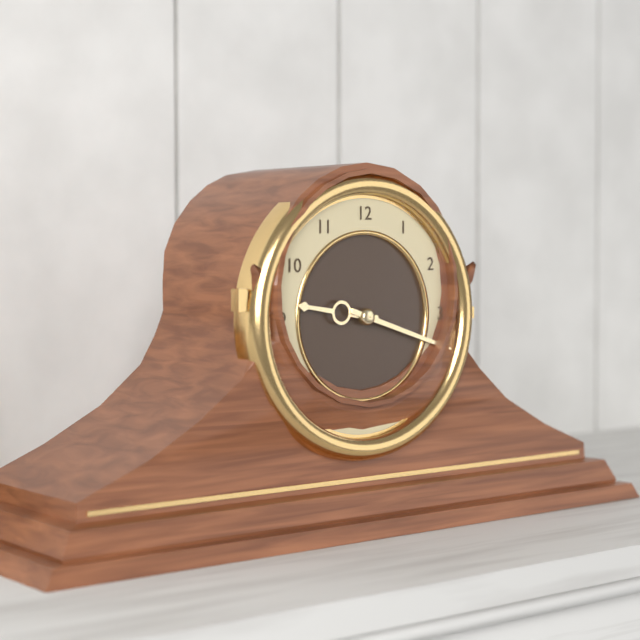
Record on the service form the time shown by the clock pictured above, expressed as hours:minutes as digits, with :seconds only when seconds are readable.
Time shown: 9:18
